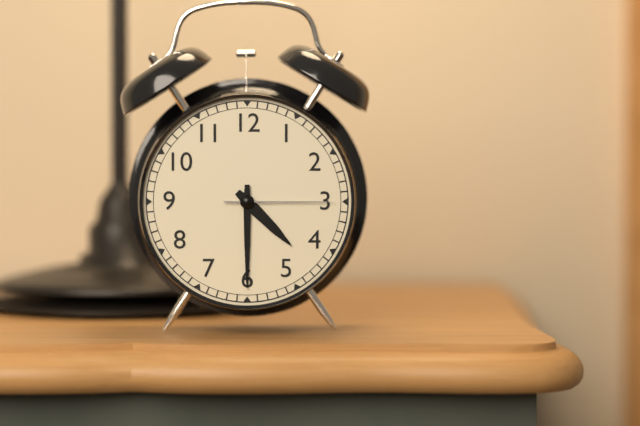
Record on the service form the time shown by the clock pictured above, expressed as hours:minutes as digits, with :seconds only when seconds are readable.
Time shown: 4:30:15
